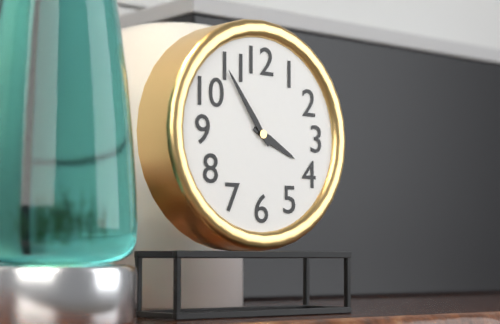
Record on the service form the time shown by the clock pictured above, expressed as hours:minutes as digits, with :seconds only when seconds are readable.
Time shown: 3:54
